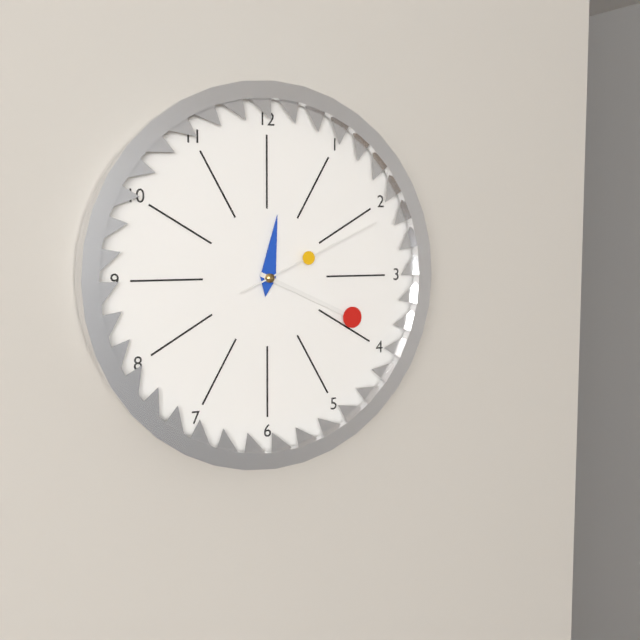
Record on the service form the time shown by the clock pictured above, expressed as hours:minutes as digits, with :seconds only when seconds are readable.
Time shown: 12:19:11
